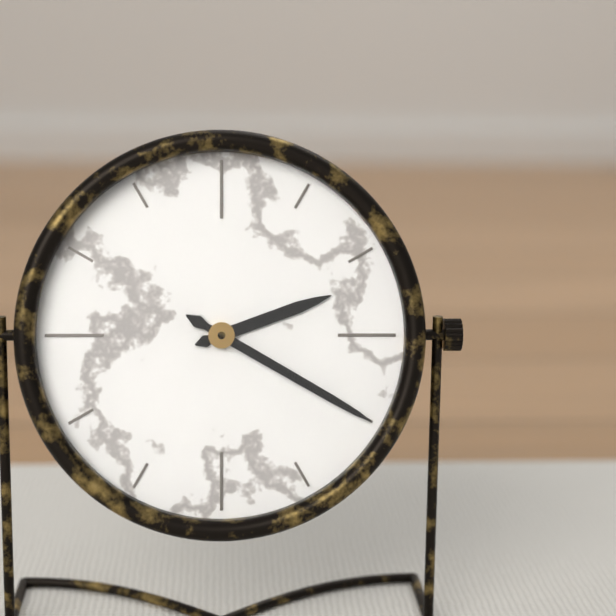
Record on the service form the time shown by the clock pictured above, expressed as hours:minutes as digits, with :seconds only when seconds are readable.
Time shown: 2:20
